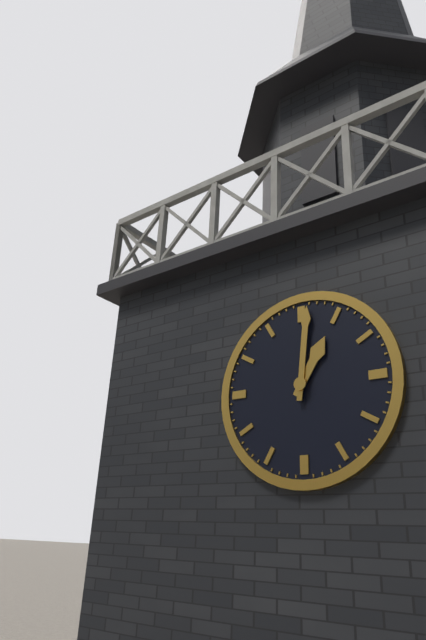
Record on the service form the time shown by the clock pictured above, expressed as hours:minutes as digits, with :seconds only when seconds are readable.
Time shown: 1:01
